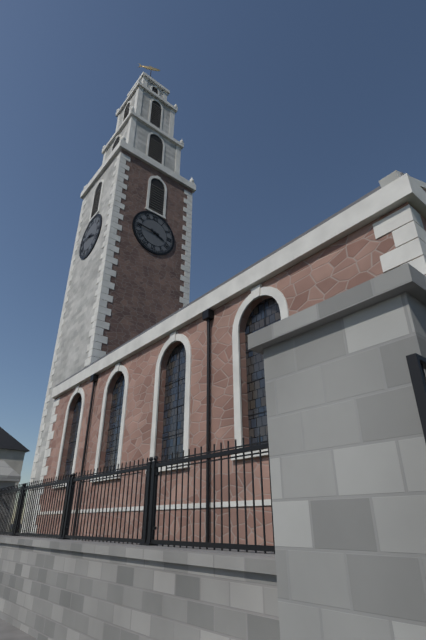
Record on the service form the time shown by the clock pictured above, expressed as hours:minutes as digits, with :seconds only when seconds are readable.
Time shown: 3:46
